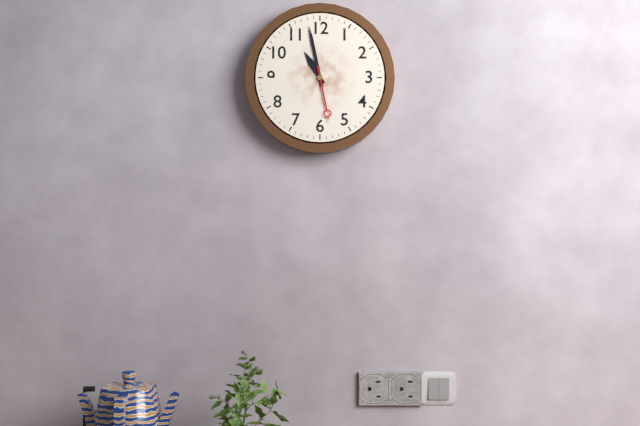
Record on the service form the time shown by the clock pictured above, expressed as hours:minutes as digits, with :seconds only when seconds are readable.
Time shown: 10:58:28
